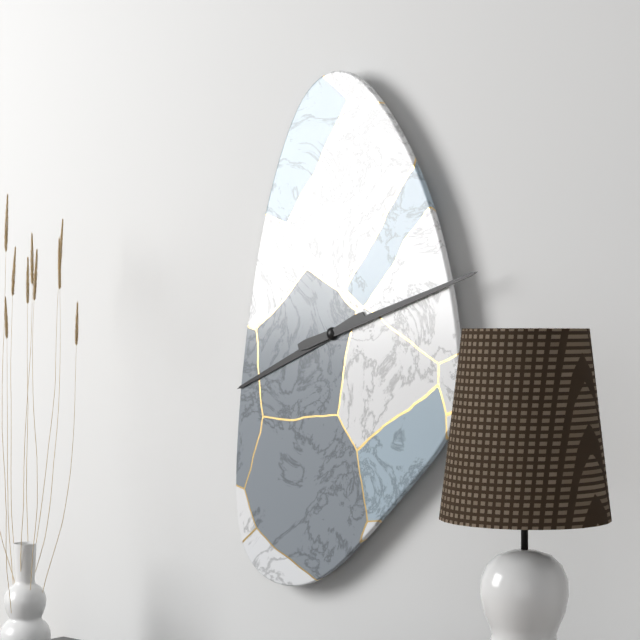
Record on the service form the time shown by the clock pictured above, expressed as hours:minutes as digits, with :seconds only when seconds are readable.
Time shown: 8:12
